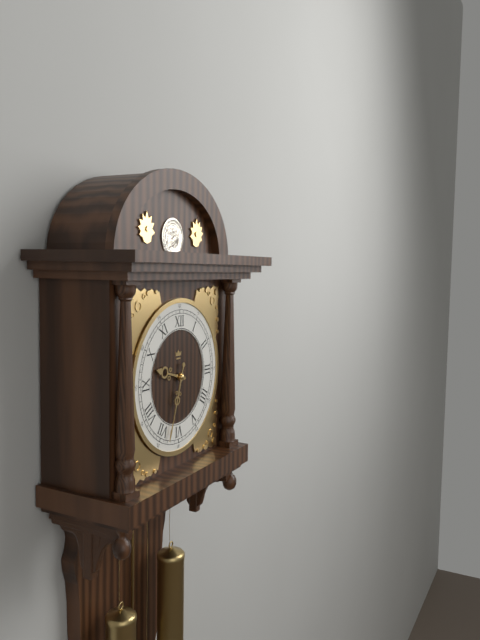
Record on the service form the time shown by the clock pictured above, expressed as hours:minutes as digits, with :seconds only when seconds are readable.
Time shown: 9:33
